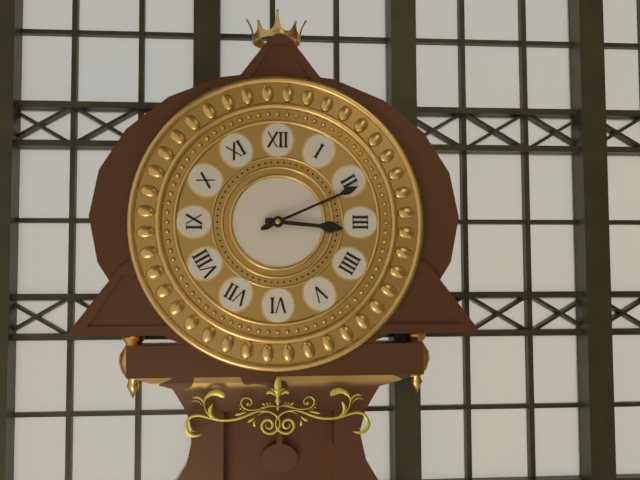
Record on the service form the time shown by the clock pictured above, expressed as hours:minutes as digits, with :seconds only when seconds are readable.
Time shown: 3:11
